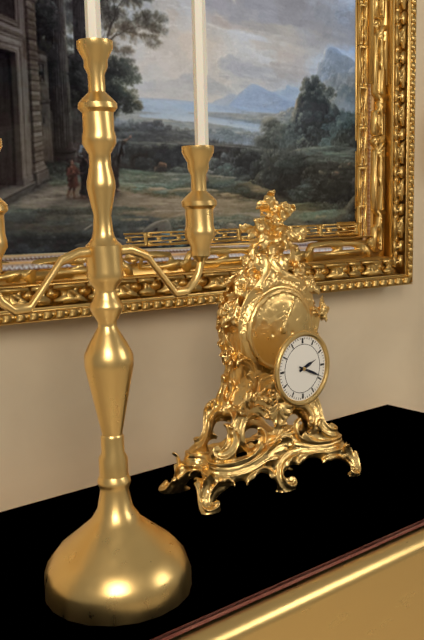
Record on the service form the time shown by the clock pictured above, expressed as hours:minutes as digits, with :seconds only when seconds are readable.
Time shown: 2:19
